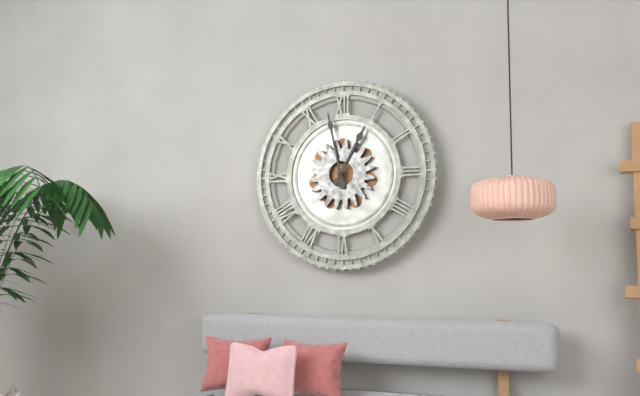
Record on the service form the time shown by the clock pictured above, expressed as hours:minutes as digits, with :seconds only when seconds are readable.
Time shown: 12:58
